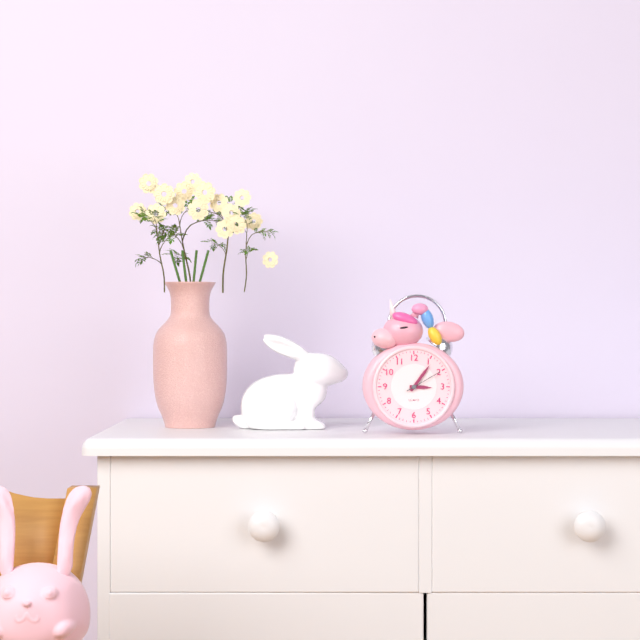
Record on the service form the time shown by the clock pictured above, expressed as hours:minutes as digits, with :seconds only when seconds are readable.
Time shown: 3:06
